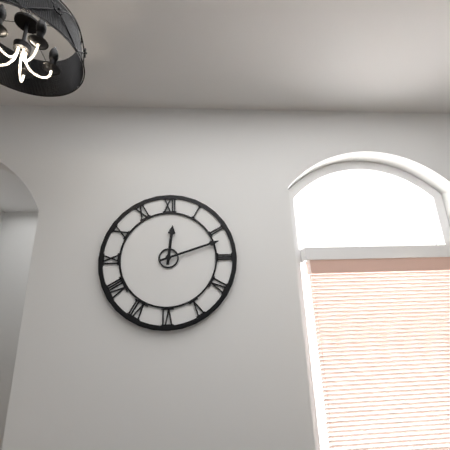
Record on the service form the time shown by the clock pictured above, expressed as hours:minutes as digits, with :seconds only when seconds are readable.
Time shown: 12:12
